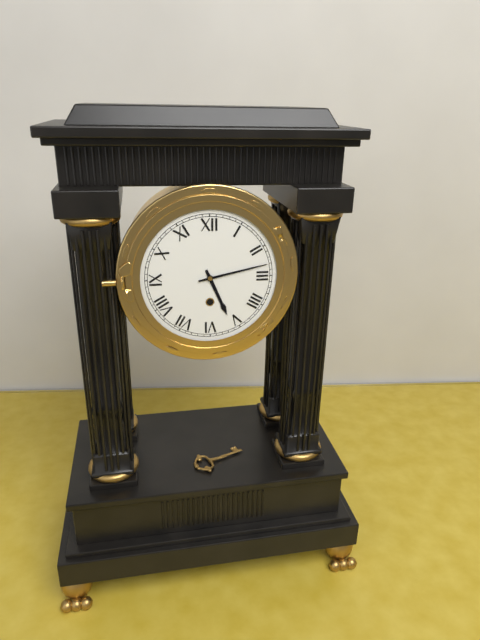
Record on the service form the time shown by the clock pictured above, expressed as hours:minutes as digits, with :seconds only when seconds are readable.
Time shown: 5:13
